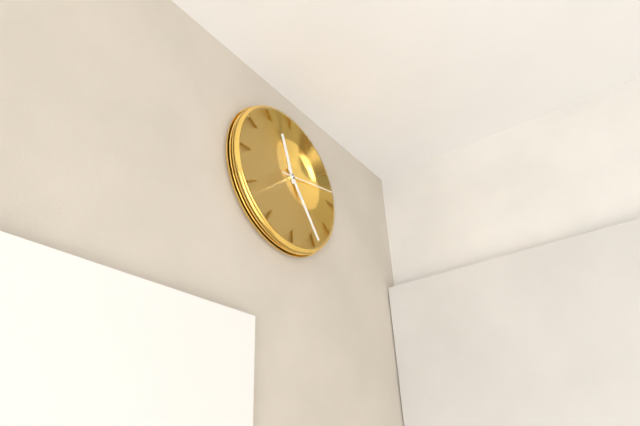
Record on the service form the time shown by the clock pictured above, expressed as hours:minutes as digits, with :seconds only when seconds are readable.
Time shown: 11:24:13
